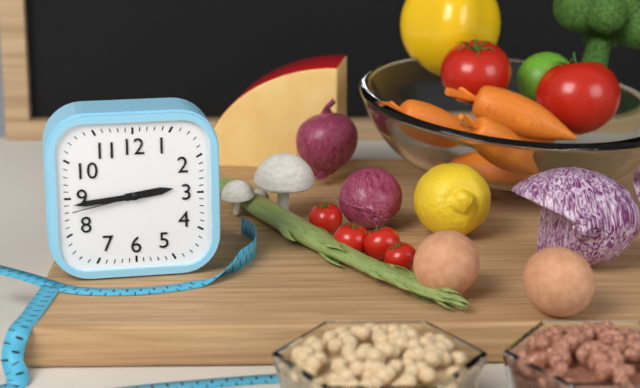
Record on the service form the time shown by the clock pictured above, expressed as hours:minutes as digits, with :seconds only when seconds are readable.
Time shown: 2:44:43
